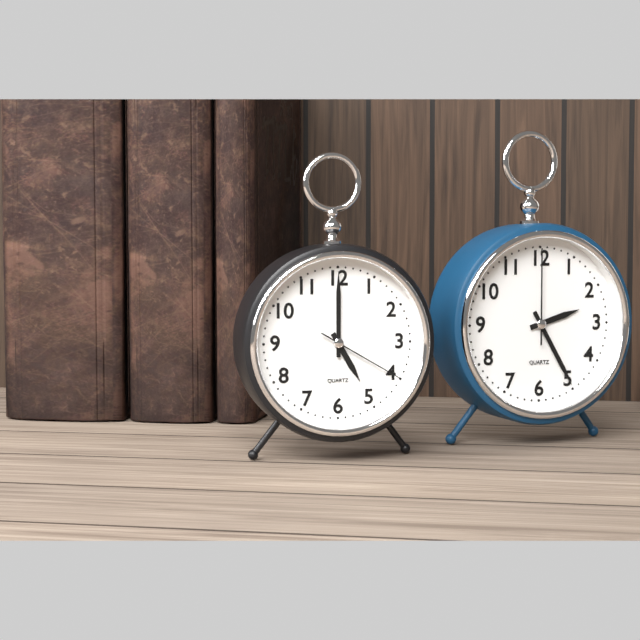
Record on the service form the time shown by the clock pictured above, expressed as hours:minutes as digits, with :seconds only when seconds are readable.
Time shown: 5:00:20
